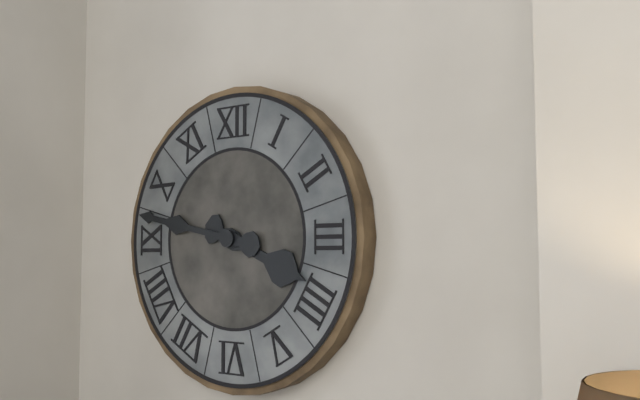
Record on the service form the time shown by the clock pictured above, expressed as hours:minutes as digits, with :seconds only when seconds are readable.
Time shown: 3:47
